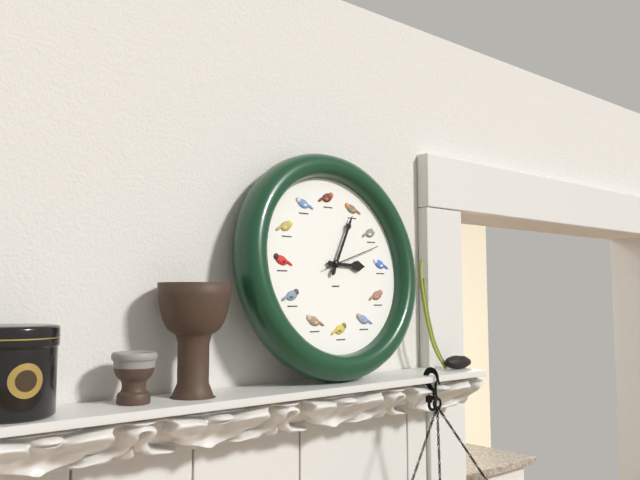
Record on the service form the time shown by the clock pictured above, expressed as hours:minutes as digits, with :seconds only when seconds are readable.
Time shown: 3:05:12
